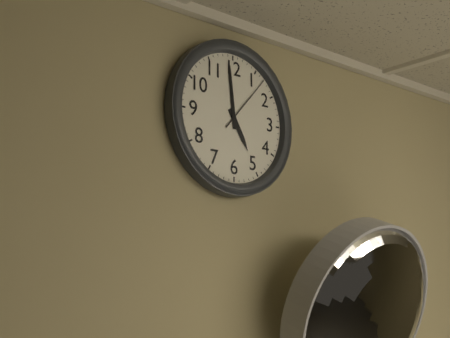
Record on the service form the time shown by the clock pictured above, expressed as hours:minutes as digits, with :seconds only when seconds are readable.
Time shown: 4:59:07
